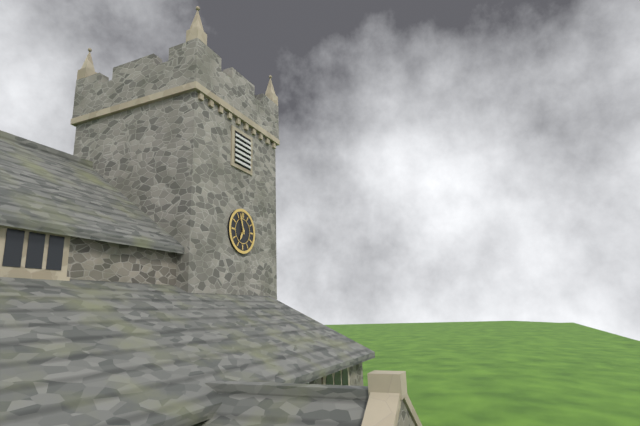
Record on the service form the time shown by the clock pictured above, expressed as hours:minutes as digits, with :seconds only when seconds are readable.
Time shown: 6:57
